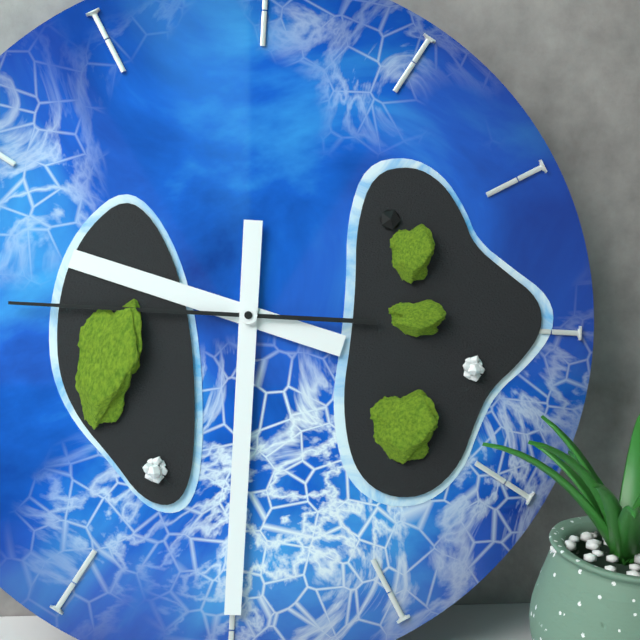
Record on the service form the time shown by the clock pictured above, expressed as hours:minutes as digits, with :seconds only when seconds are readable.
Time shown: 9:30:45
